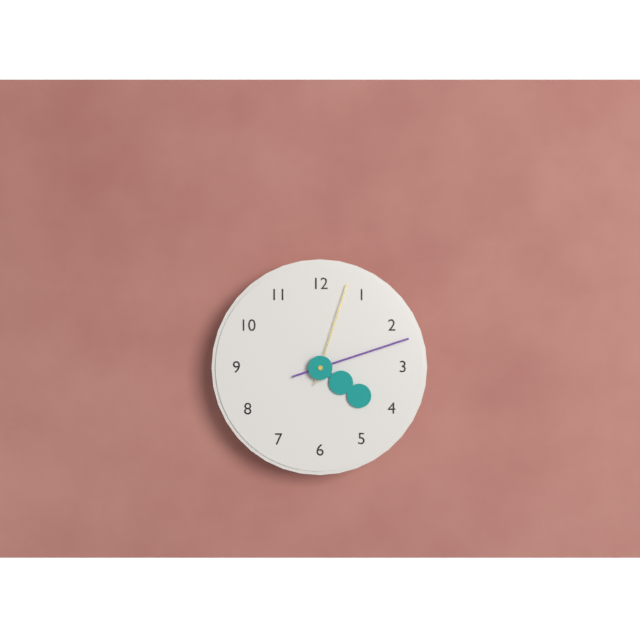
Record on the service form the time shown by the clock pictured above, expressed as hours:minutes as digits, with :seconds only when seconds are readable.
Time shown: 4:12:03
